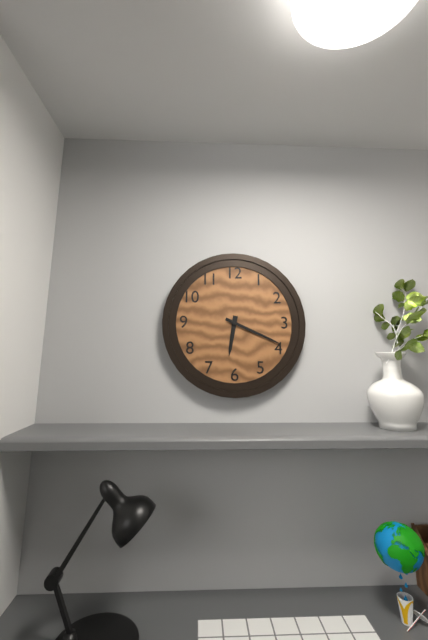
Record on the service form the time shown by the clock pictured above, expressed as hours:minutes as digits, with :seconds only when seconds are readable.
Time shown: 6:19
